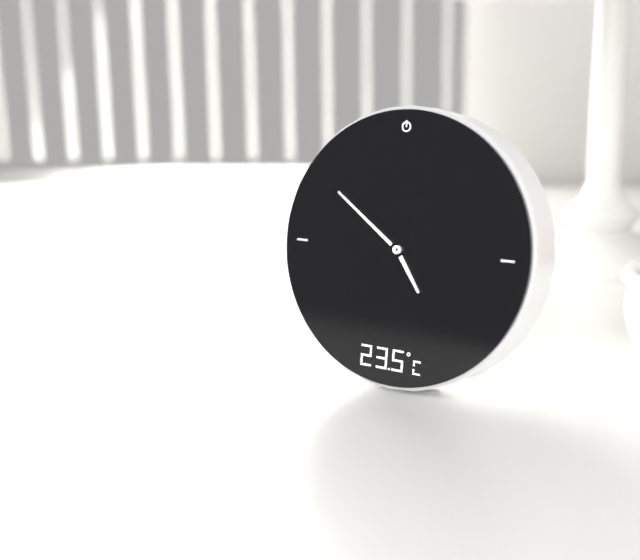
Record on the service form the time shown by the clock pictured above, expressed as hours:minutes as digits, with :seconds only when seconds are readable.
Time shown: 4:51
